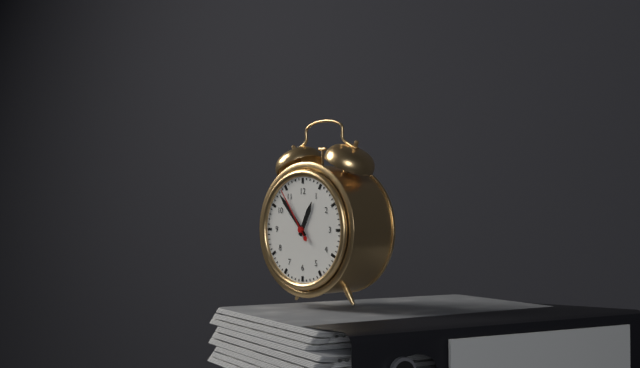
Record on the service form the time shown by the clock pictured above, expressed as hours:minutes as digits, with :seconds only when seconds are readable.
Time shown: 12:53:54
